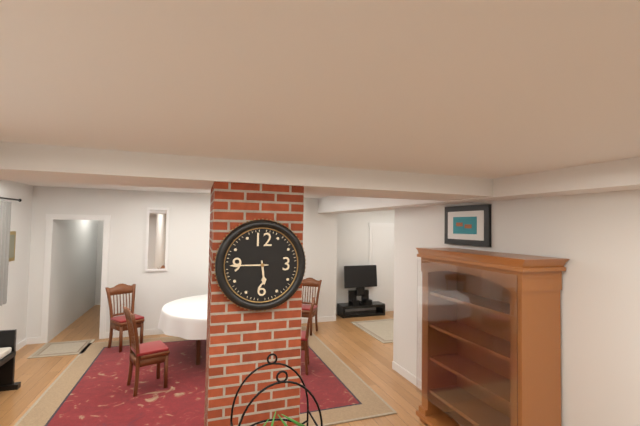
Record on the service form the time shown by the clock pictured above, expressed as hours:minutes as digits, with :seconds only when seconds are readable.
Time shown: 5:45
